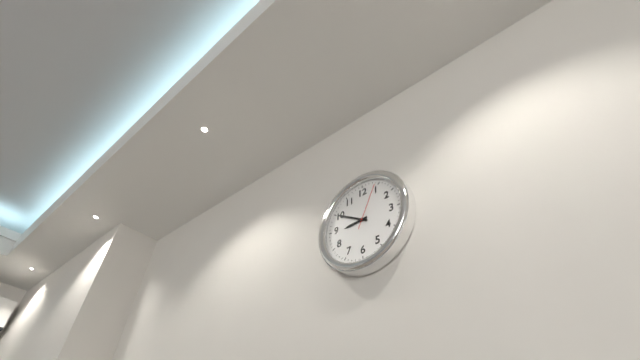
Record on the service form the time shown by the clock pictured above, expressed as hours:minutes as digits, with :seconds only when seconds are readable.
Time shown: 8:50
